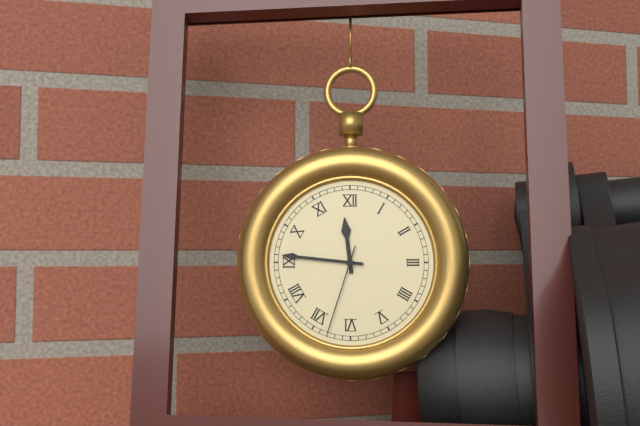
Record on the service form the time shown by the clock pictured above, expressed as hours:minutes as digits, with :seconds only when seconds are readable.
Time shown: 11:46:33
